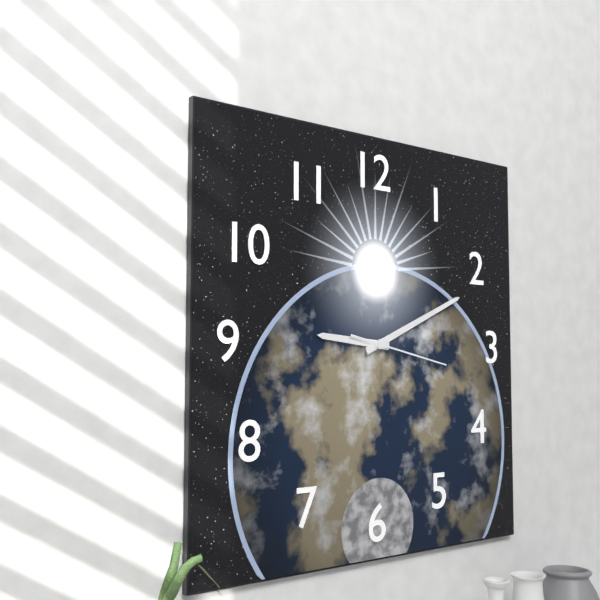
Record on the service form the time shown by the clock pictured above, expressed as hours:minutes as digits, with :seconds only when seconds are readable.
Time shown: 9:11:17
